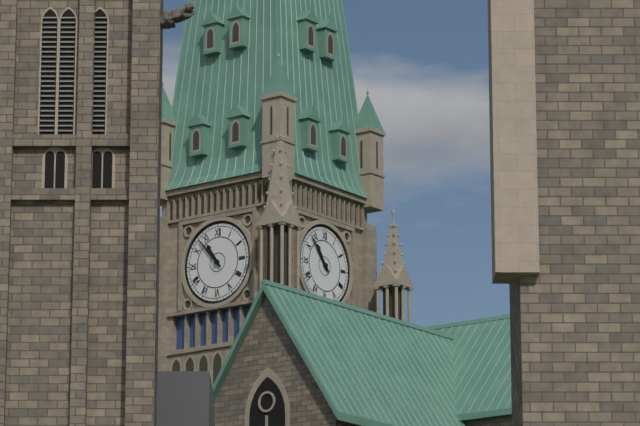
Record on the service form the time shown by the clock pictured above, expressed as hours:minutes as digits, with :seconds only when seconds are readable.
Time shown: 10:53
